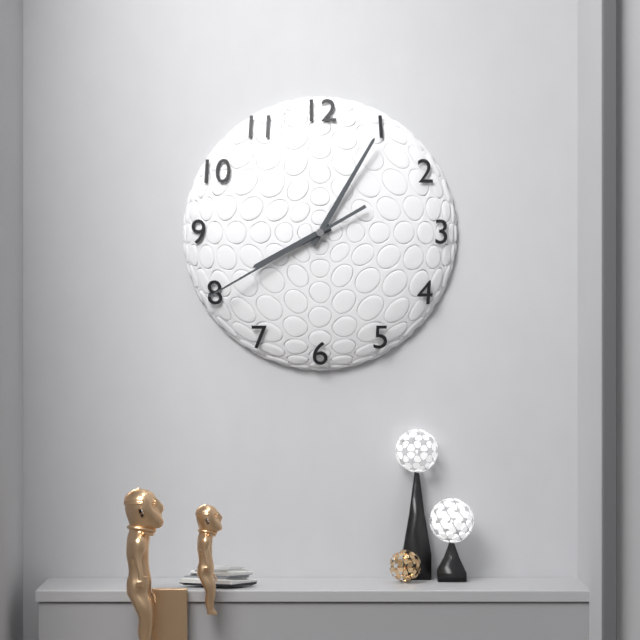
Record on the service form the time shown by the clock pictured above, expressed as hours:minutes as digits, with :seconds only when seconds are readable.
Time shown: 8:05:40
